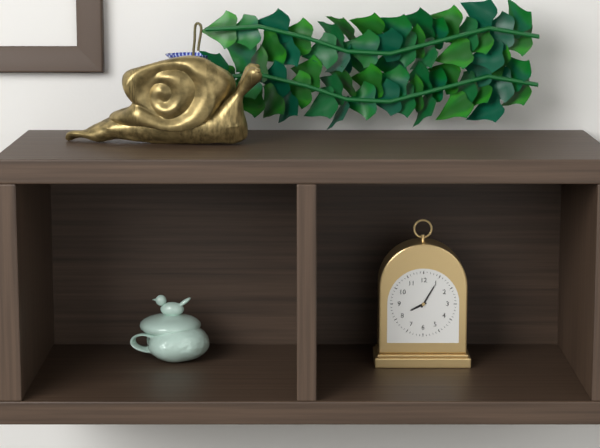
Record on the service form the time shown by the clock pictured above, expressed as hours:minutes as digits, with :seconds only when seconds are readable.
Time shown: 8:05
